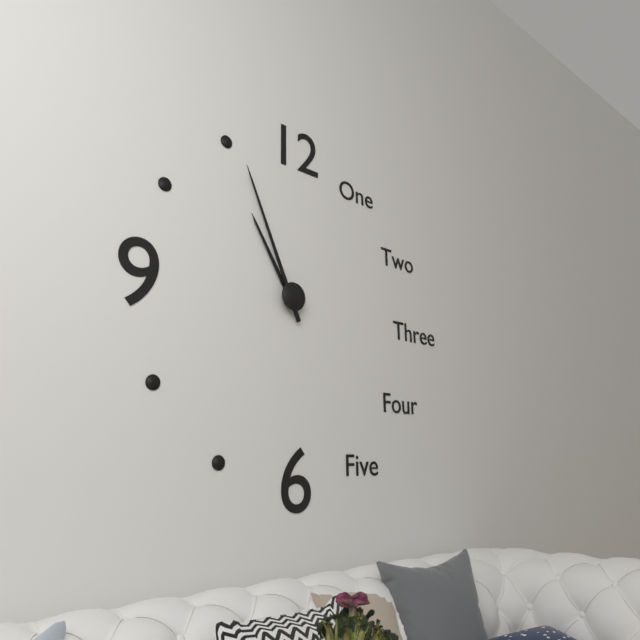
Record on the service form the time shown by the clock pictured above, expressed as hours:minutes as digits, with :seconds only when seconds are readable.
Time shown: 10:56
